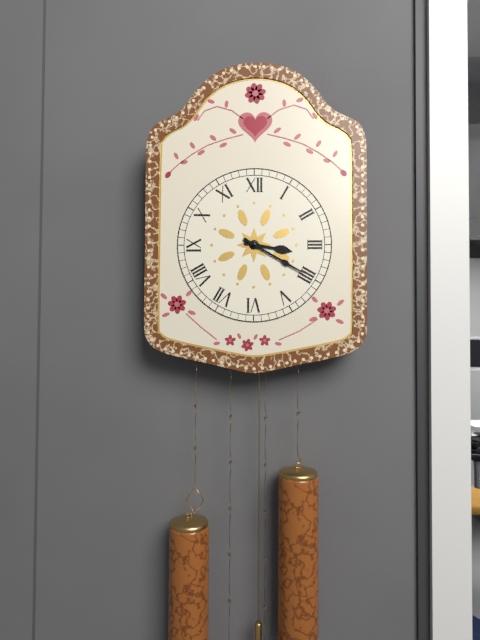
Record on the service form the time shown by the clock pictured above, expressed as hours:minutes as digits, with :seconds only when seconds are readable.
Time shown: 3:20
